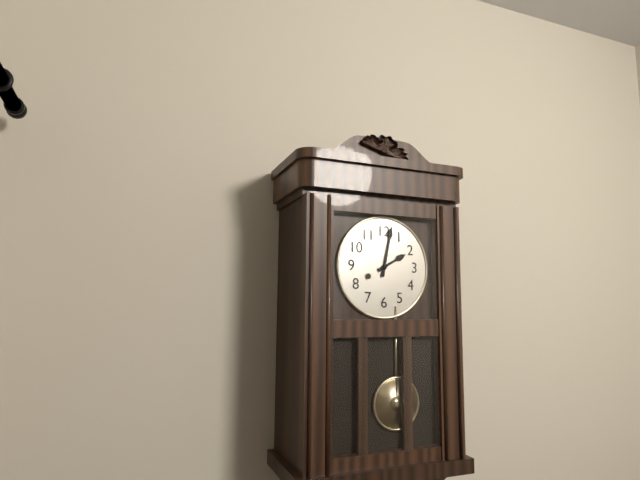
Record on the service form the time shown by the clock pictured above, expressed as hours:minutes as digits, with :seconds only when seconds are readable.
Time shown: 2:02
